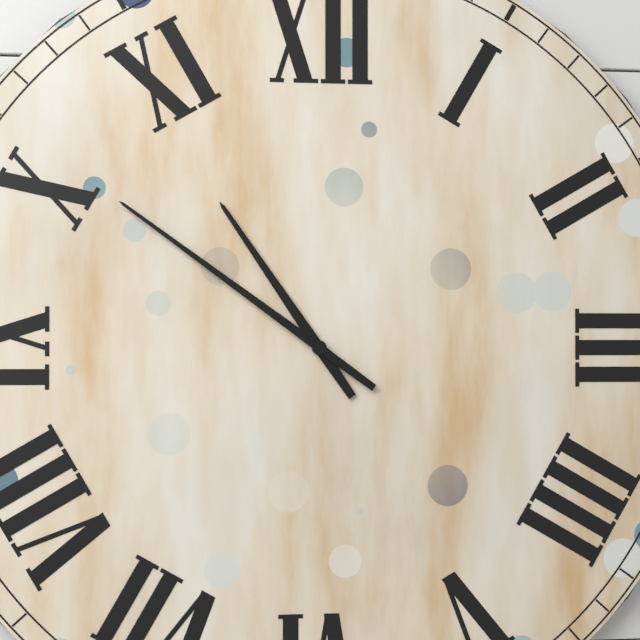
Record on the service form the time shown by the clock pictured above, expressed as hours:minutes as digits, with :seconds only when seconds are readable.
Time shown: 10:51
